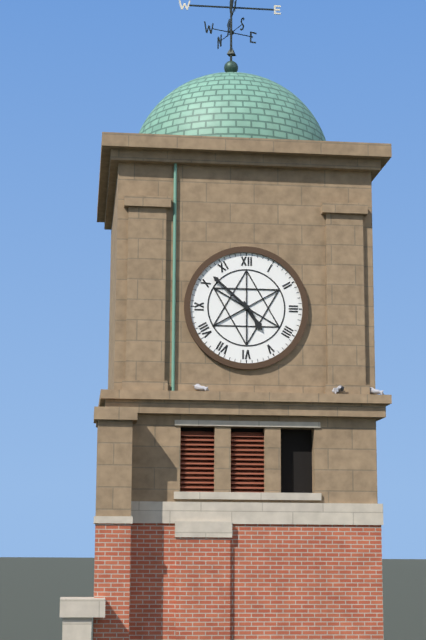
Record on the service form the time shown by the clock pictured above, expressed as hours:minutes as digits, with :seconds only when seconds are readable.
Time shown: 4:52
